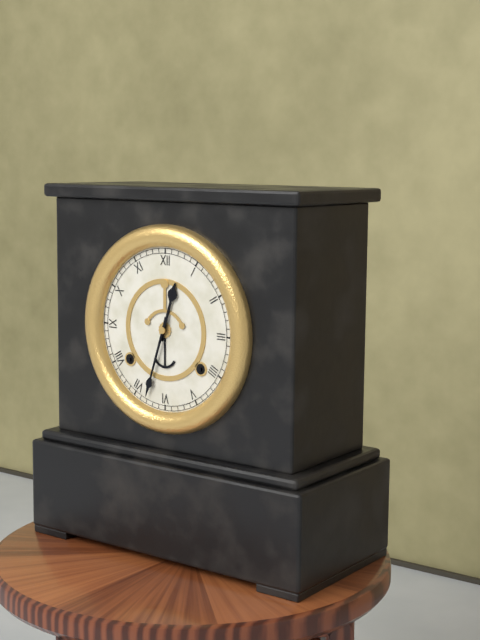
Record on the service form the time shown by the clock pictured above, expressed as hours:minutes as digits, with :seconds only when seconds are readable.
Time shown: 12:33
